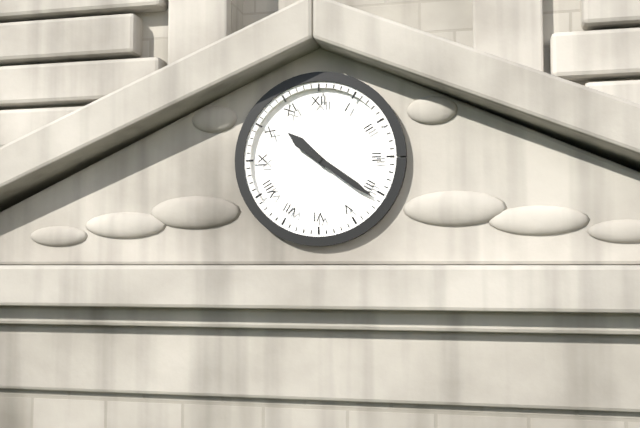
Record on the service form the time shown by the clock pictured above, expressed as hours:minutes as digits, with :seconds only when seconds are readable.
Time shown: 10:21
